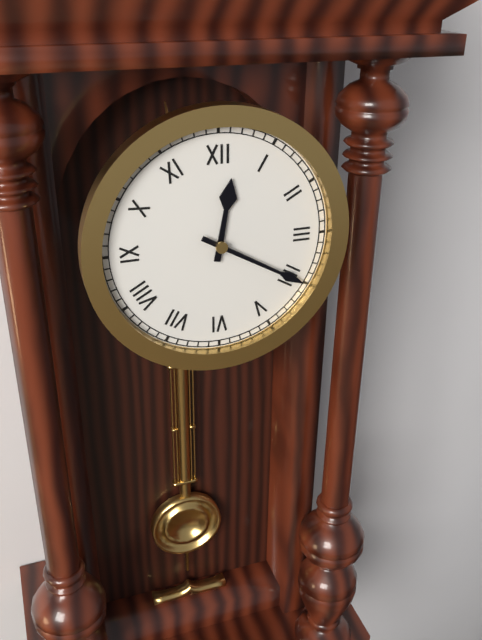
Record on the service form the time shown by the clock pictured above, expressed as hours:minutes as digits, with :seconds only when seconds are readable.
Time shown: 12:20
